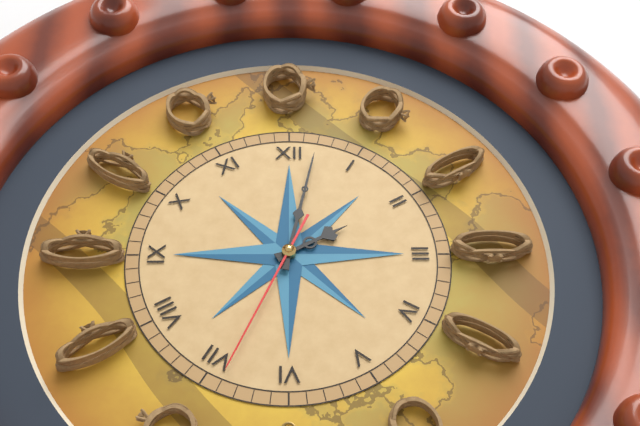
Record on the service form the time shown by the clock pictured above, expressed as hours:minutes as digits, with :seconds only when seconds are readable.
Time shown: 2:02:34
